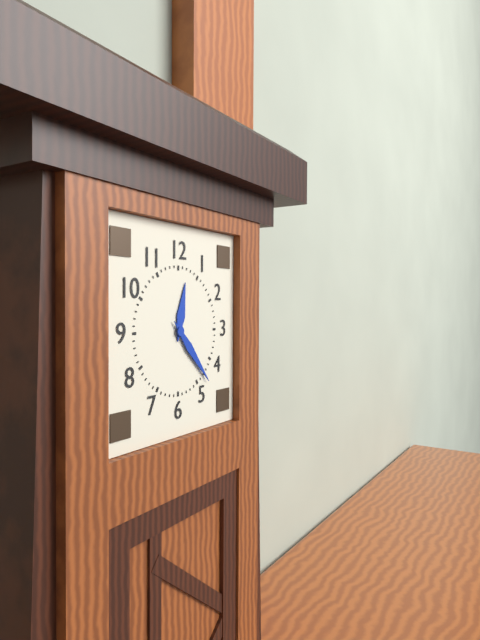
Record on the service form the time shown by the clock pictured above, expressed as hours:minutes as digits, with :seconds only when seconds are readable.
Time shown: 12:23
